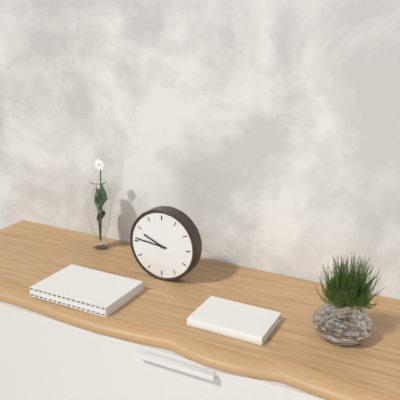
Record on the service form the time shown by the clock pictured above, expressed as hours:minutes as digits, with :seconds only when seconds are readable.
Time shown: 9:46
